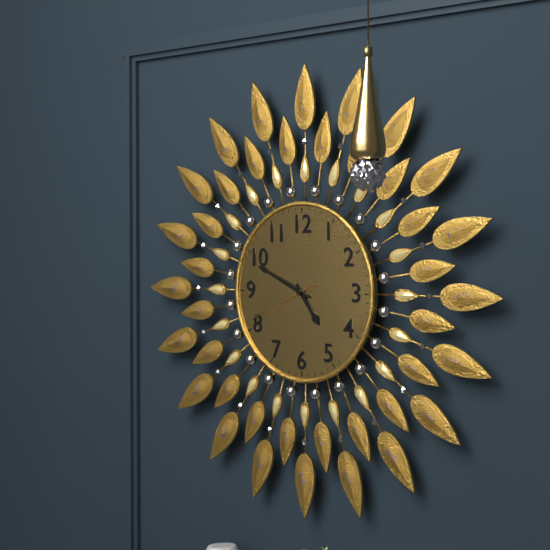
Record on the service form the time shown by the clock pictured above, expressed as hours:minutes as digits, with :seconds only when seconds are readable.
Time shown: 4:49:41
